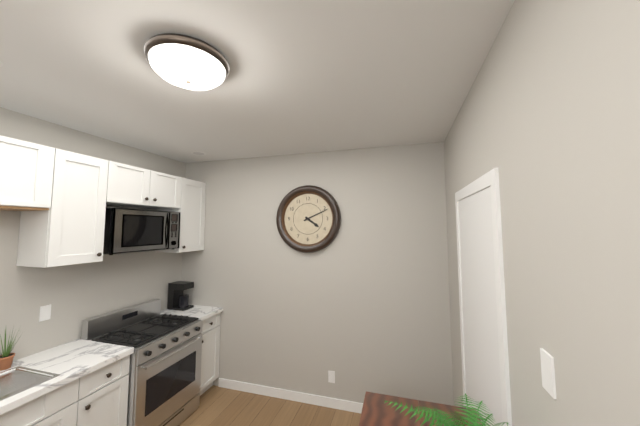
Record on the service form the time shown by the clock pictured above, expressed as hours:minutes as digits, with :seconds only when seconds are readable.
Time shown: 4:11
